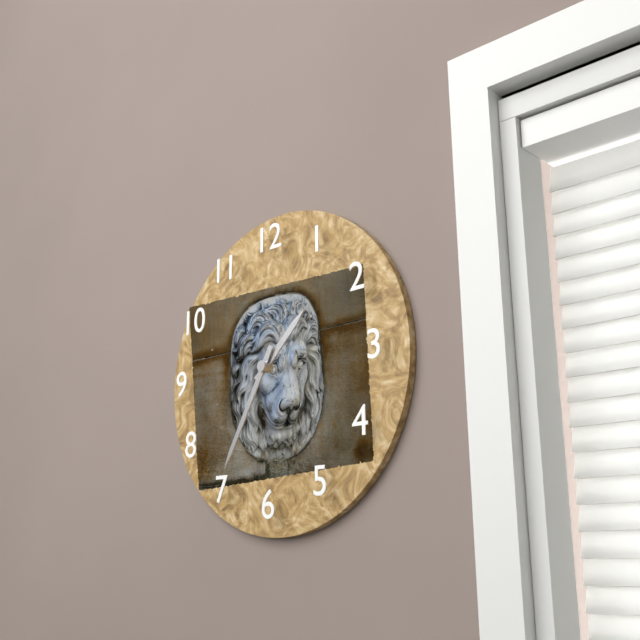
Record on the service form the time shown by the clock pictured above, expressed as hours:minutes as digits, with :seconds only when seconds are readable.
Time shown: 1:35
